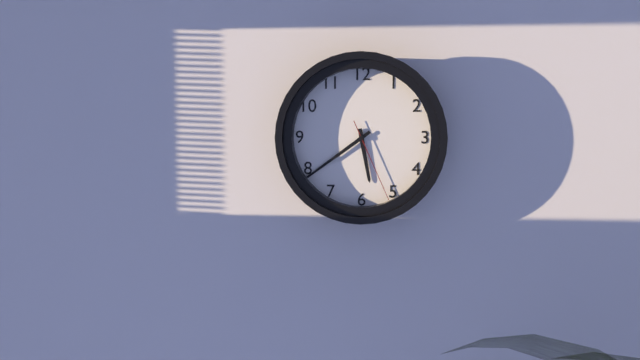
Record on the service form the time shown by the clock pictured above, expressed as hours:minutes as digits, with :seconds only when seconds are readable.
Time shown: 5:39:26
